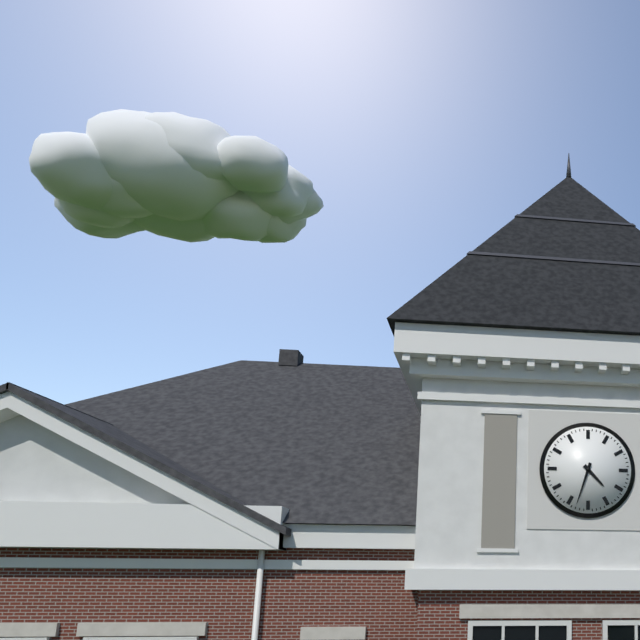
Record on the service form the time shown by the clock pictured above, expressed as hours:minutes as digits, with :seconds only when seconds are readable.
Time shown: 4:33
